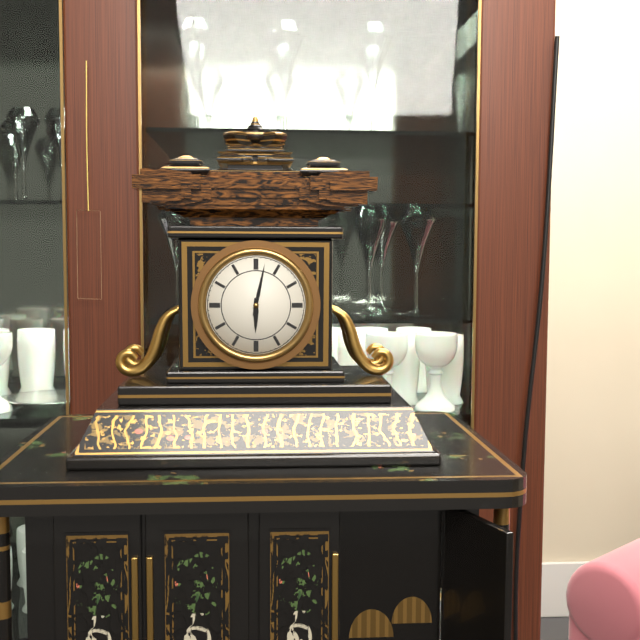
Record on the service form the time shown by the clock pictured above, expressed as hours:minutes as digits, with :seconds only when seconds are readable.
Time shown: 6:02
